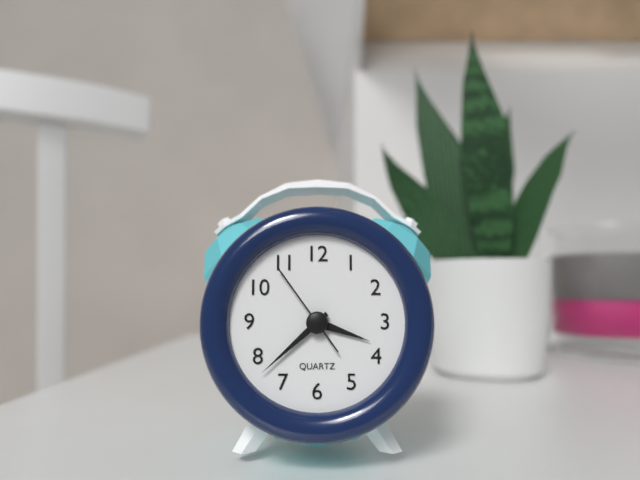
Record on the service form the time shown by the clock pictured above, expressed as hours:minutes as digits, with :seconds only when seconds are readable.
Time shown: 3:38:54
